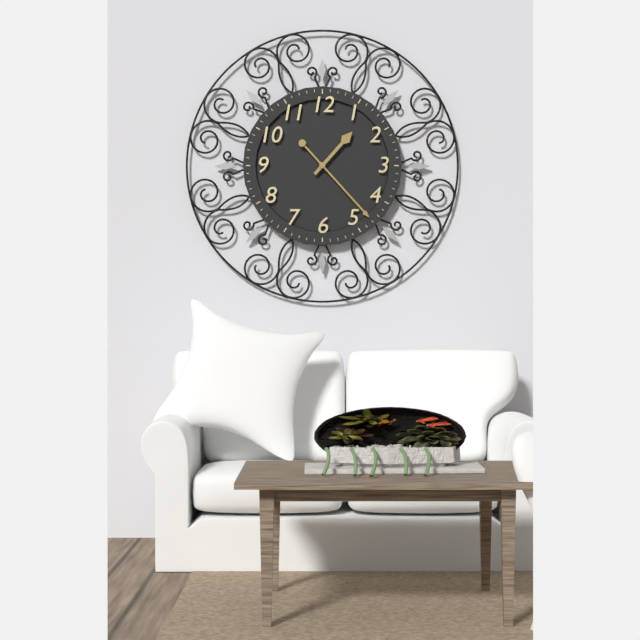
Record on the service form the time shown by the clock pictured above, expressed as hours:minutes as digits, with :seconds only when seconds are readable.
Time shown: 1:23
